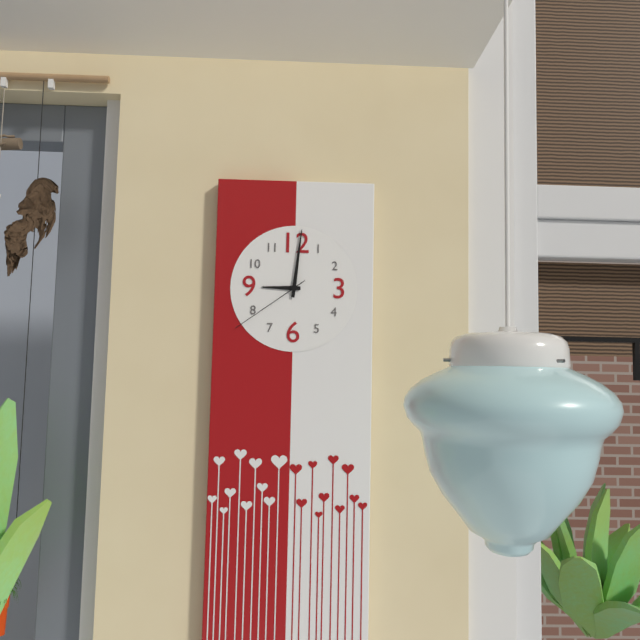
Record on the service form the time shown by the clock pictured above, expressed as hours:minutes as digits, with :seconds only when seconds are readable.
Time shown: 9:01:39
